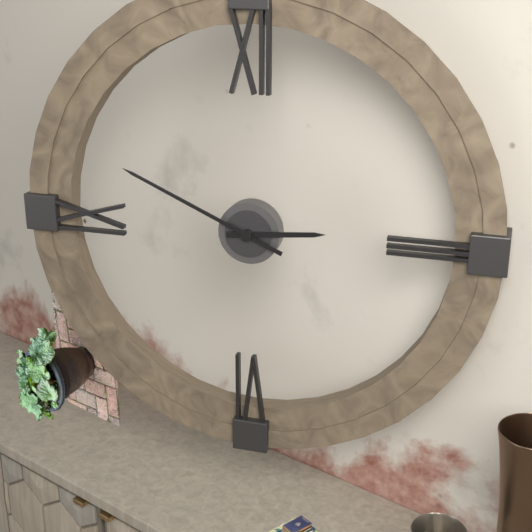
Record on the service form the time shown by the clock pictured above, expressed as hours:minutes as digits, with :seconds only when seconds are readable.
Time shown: 2:49
